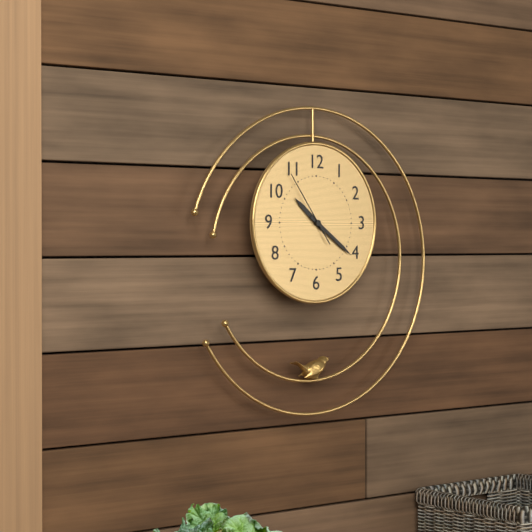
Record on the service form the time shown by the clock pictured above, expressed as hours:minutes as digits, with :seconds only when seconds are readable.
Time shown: 10:21:54
